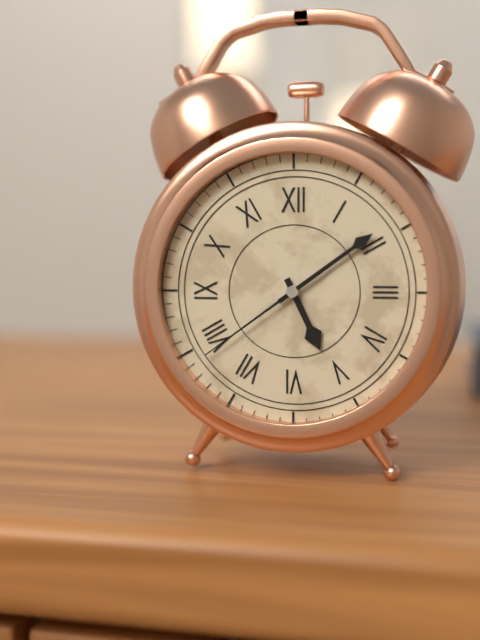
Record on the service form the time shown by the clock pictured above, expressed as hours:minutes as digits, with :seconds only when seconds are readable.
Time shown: 5:09:39
